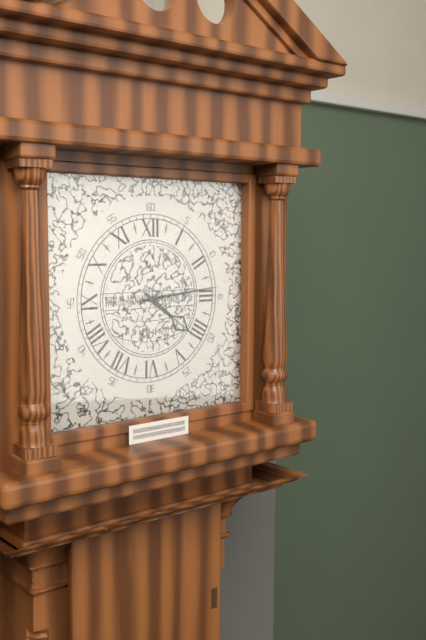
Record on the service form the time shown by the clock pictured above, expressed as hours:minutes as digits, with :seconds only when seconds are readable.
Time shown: 4:14
